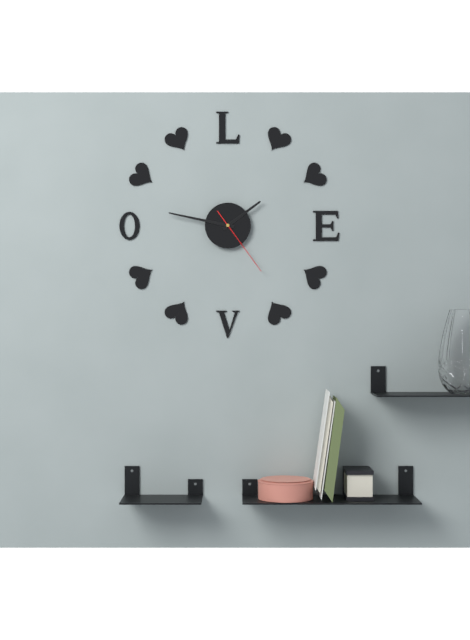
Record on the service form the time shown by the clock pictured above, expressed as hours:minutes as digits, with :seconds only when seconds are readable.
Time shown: 1:47:24
